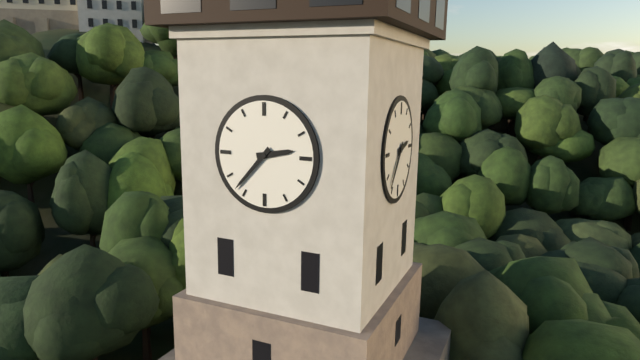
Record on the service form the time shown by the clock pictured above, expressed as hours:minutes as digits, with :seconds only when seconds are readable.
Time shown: 2:37
